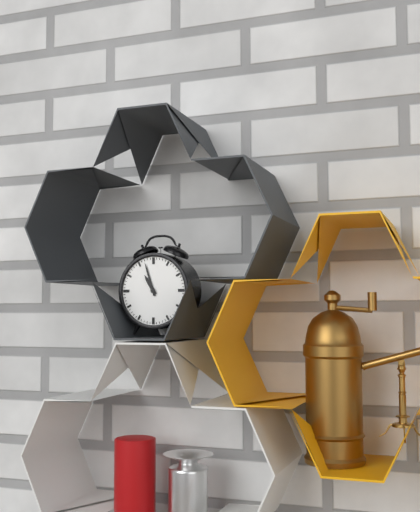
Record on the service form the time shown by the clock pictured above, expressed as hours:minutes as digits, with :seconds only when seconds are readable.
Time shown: 10:57
